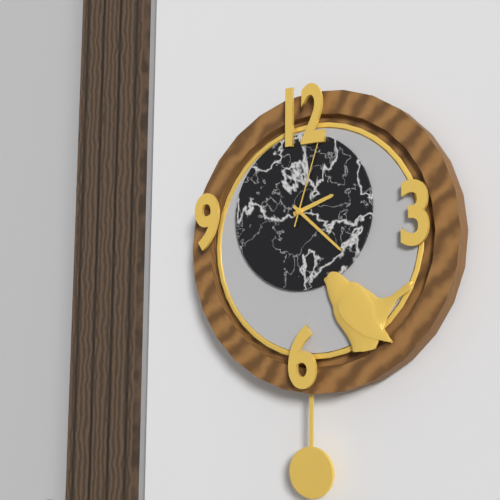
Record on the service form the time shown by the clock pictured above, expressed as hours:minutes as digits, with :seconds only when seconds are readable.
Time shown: 2:22:03
